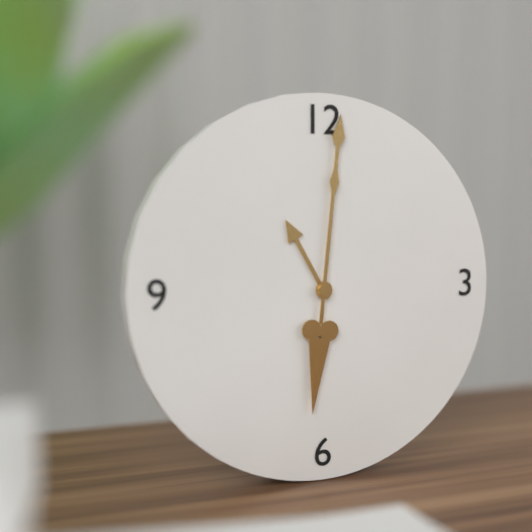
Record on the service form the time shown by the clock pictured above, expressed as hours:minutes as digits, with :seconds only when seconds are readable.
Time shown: 11:01
